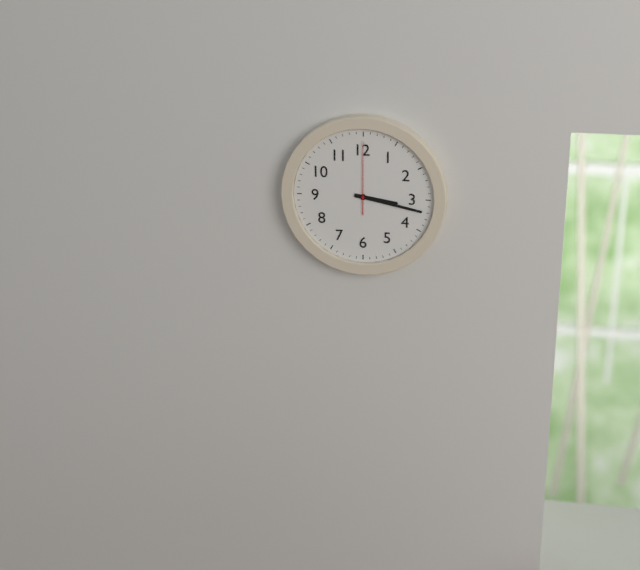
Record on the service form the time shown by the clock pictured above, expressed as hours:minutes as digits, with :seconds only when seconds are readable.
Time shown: 3:17:00
